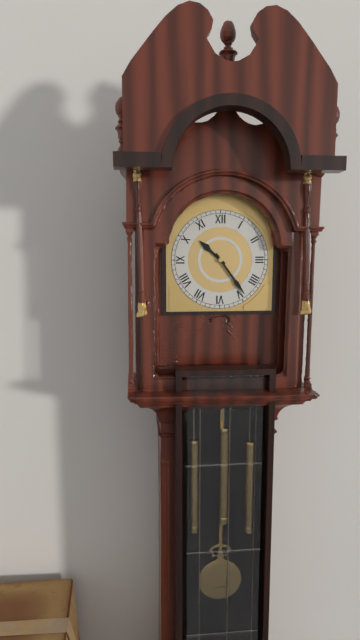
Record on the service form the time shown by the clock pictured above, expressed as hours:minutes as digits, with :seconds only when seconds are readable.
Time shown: 10:24
